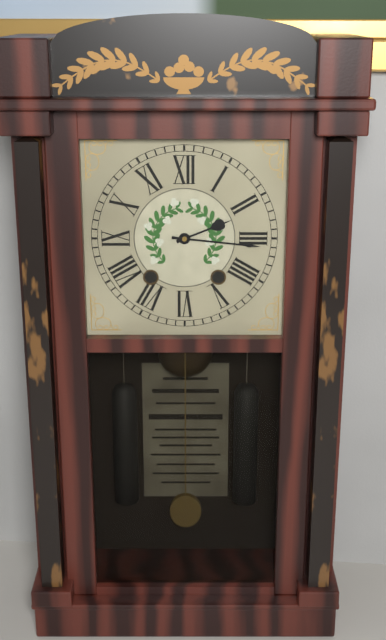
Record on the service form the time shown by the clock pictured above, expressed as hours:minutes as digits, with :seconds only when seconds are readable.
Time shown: 2:16
